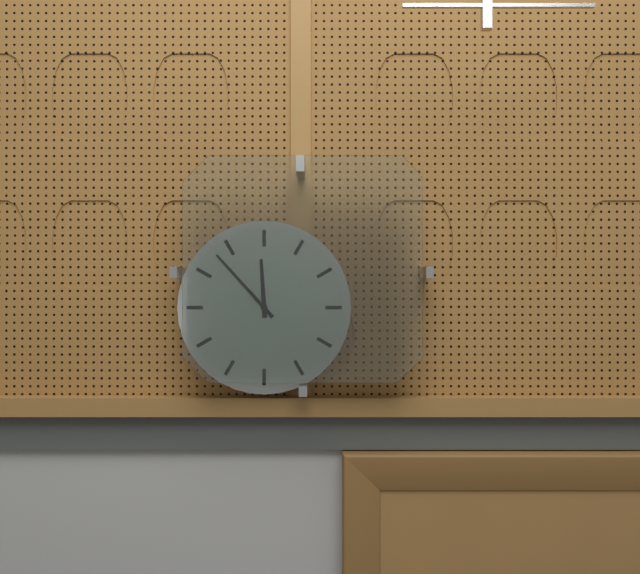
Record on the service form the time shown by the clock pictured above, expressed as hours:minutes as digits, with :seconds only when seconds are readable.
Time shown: 11:53
